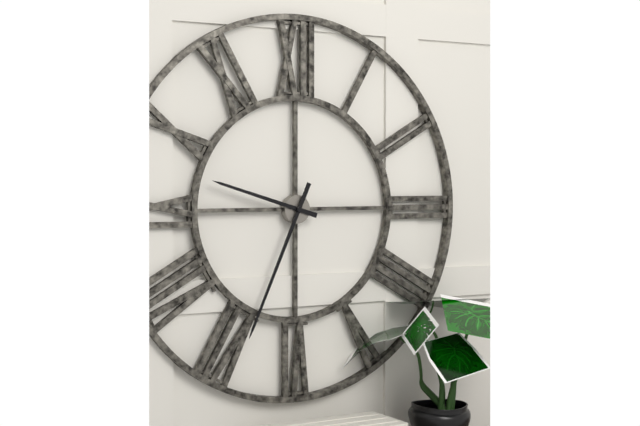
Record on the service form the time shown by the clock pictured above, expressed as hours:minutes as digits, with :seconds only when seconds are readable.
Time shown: 9:34
